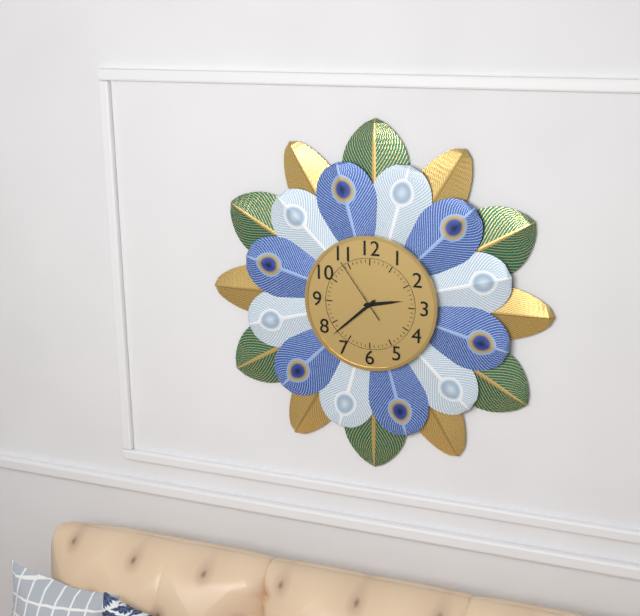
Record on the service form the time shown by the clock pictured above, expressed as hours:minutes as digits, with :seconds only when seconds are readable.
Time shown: 2:38:54
